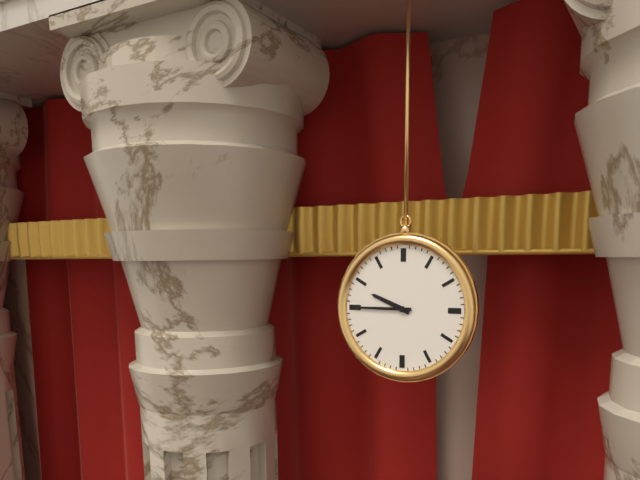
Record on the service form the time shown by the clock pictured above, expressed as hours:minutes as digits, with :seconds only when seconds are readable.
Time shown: 9:45
